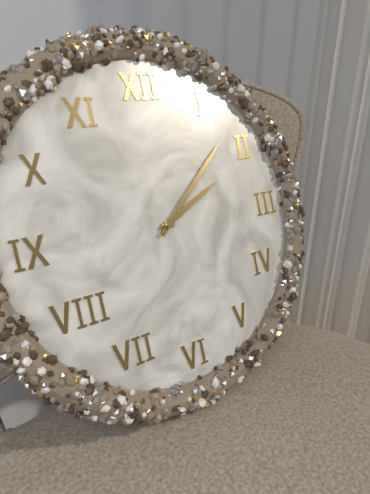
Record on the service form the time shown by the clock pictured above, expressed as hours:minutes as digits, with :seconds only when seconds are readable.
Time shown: 2:08
